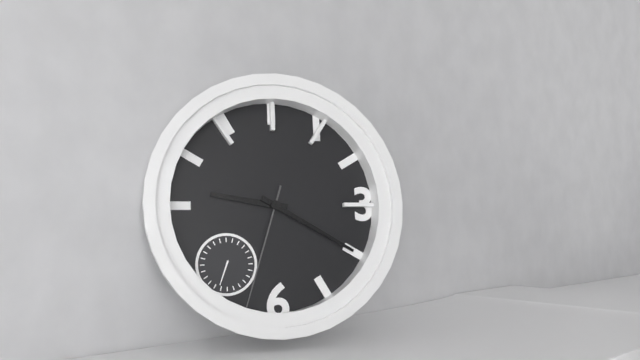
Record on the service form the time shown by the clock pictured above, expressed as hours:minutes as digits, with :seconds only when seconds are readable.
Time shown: 9:20:33
